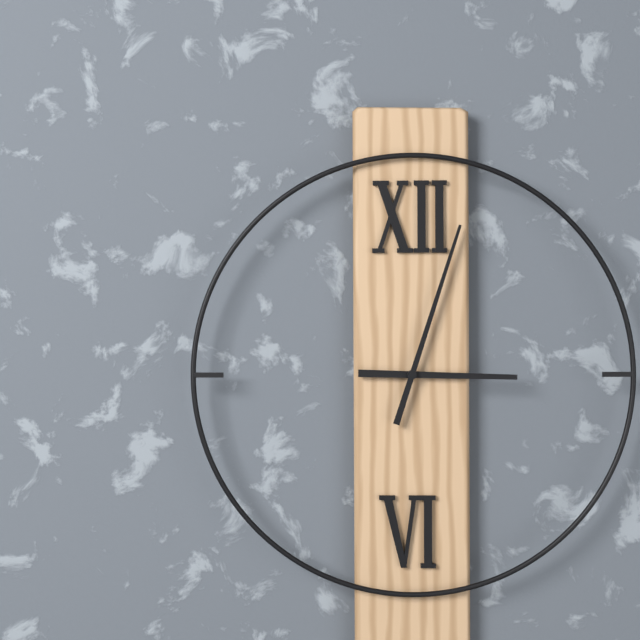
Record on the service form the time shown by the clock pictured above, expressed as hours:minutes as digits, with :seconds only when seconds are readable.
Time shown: 3:03
